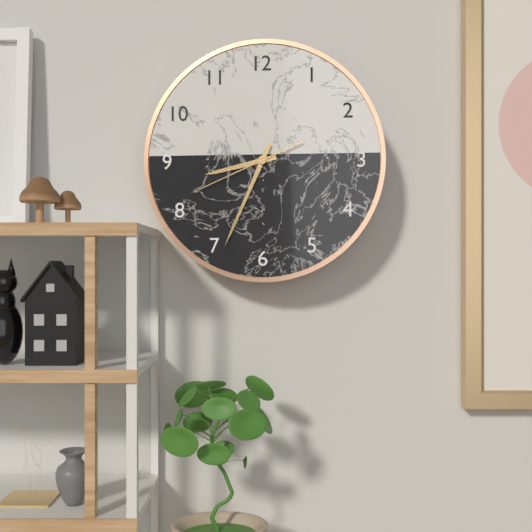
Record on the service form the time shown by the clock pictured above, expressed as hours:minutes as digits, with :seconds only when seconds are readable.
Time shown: 8:34:41
